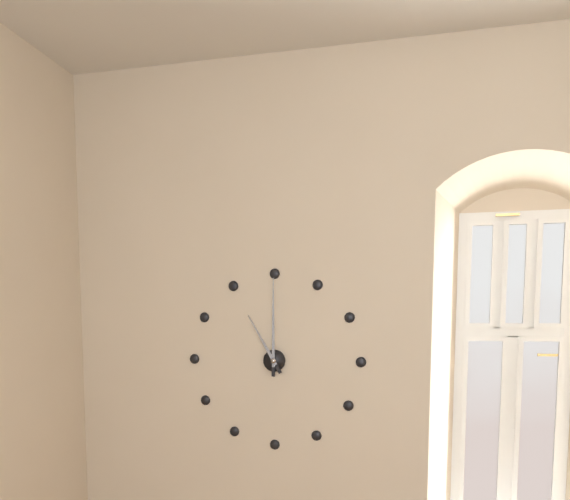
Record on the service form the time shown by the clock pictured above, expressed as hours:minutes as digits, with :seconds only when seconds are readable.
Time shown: 11:00
